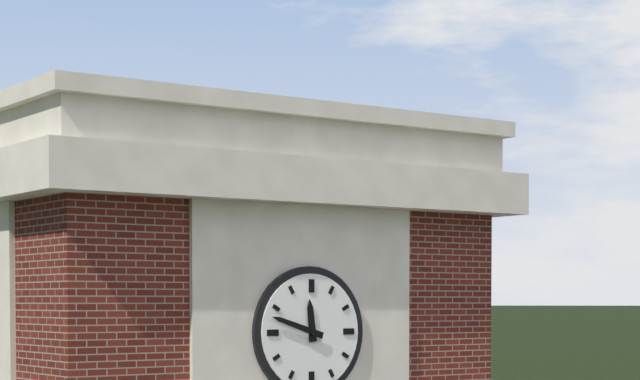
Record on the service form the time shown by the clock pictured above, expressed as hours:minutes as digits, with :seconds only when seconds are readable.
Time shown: 11:48
